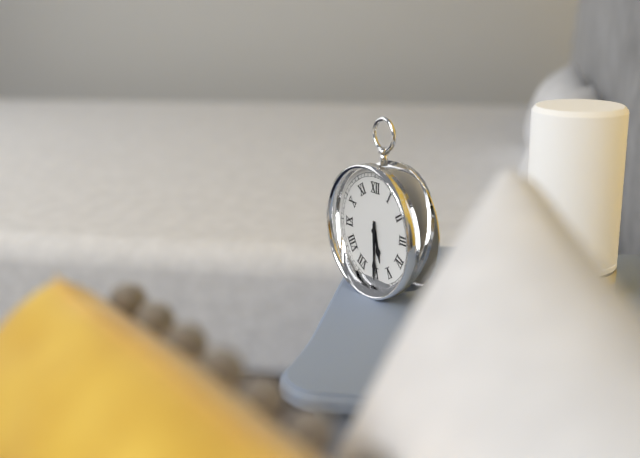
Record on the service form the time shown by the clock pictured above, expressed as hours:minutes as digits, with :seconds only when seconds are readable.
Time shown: 5:30
